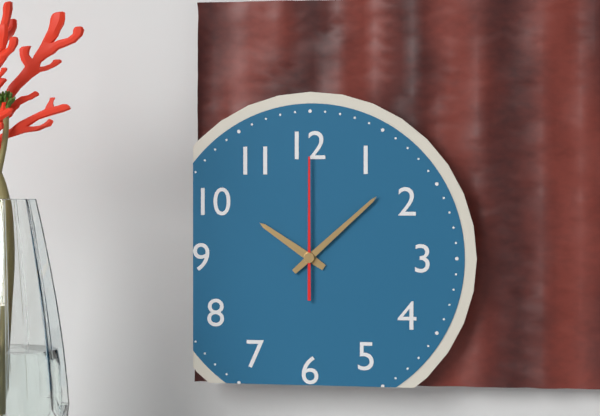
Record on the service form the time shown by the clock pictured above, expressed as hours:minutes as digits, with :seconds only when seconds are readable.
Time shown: 10:08:00
